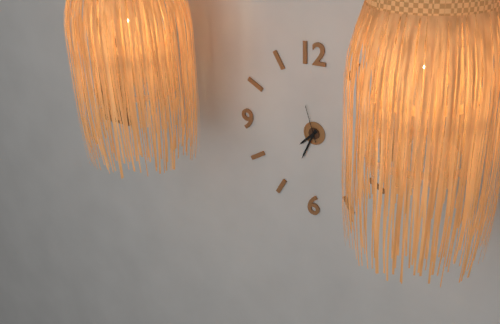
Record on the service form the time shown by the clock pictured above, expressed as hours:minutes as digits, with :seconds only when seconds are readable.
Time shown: 7:34
